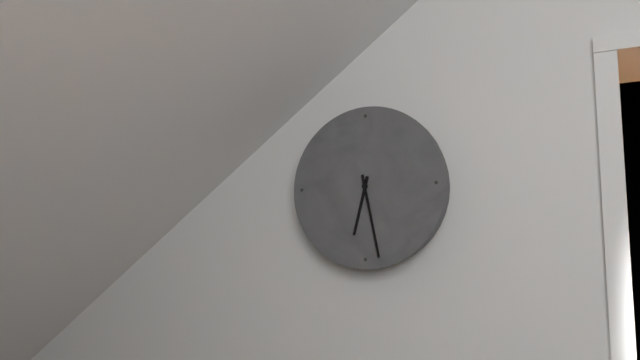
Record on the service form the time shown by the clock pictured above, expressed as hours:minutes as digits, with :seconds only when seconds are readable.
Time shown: 6:28
